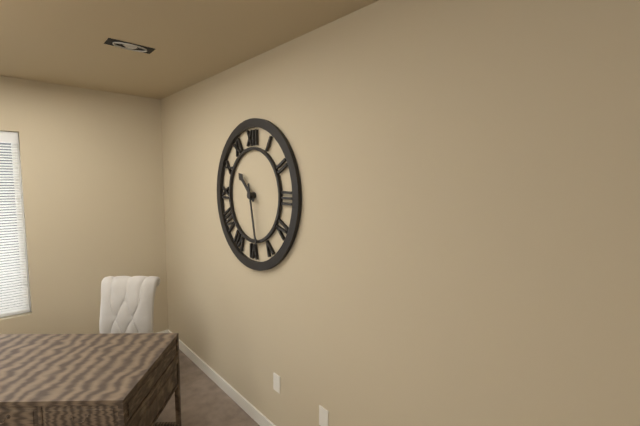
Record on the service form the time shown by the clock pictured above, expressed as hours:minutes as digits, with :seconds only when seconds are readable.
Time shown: 10:28
